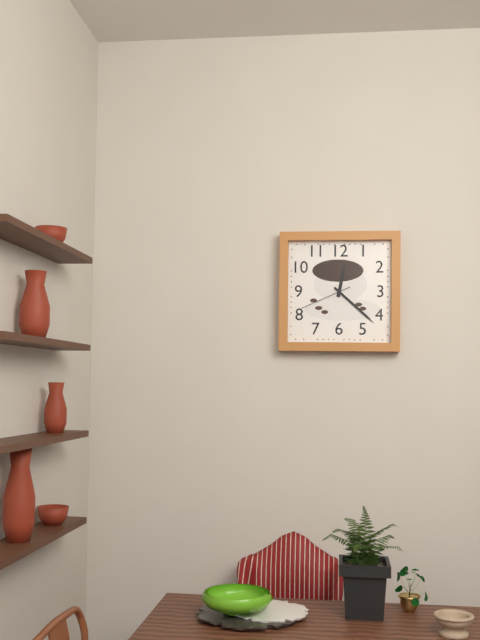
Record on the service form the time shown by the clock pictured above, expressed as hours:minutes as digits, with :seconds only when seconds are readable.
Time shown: 12:22:41
